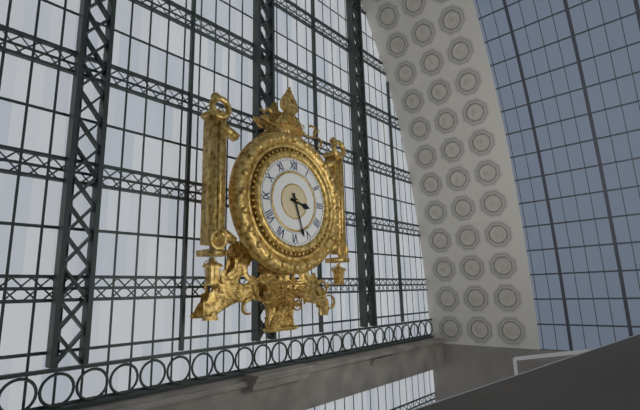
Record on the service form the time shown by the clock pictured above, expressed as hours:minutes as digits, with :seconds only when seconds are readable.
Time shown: 3:27
